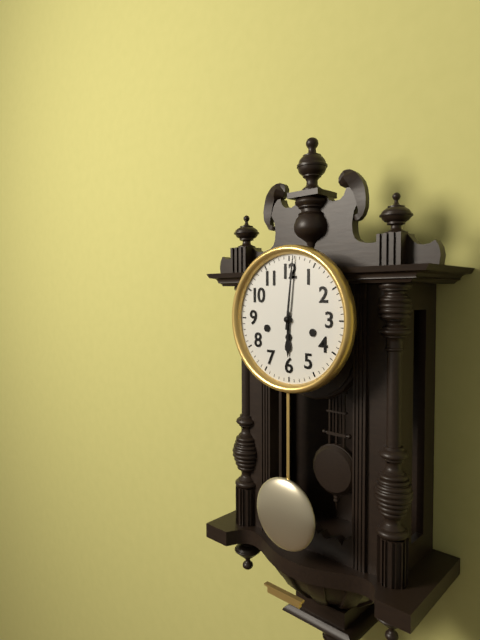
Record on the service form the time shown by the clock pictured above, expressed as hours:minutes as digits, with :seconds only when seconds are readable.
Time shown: 6:01
